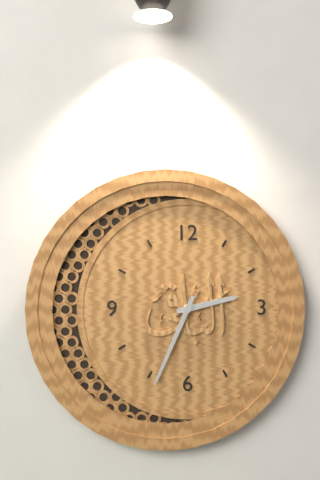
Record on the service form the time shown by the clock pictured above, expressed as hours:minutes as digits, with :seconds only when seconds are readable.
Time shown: 2:34
